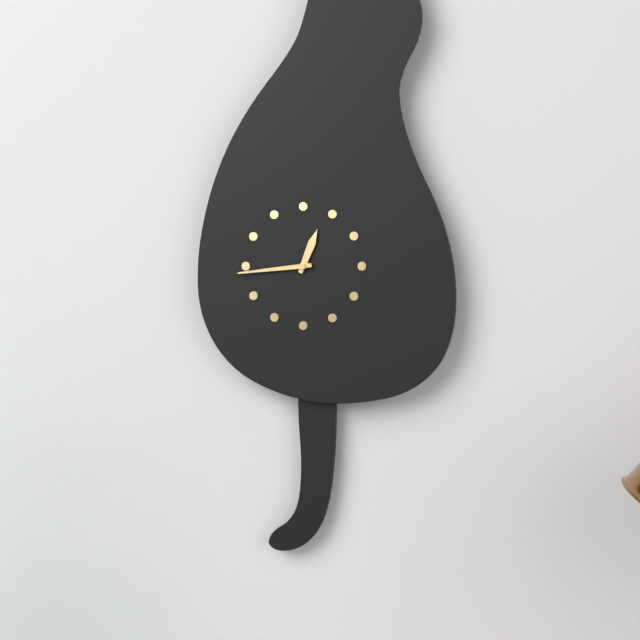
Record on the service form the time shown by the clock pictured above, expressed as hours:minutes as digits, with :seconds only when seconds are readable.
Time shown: 12:44
